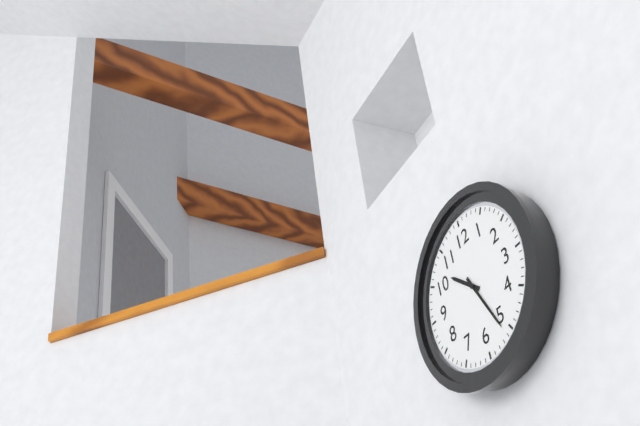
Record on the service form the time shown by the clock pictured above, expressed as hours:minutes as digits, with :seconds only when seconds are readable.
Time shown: 10:26
